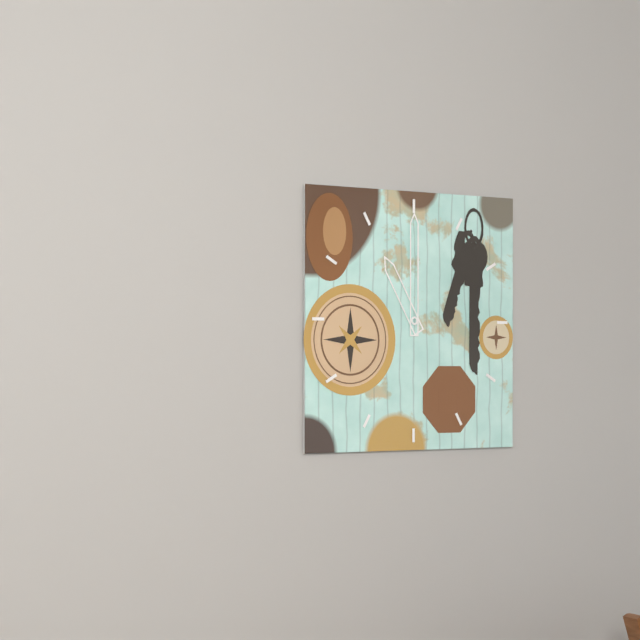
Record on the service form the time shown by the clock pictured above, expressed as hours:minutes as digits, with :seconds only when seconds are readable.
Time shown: 11:00
